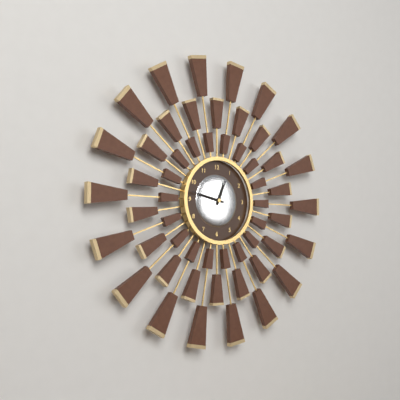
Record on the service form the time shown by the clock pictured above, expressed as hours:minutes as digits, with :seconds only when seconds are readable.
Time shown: 12:47
